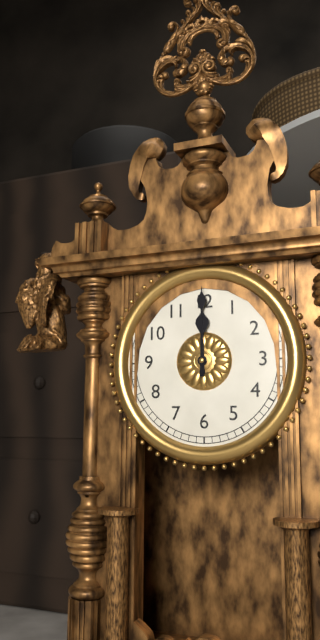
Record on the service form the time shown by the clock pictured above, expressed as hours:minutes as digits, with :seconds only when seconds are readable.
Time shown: 12:00
